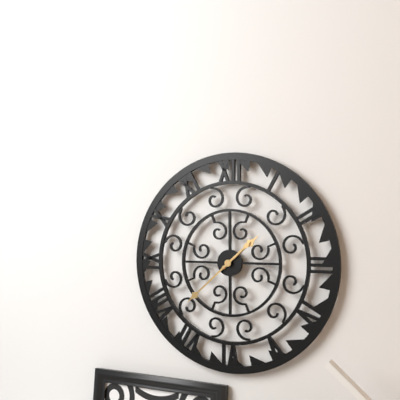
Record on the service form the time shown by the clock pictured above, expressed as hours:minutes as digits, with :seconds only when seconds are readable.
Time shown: 1:38
